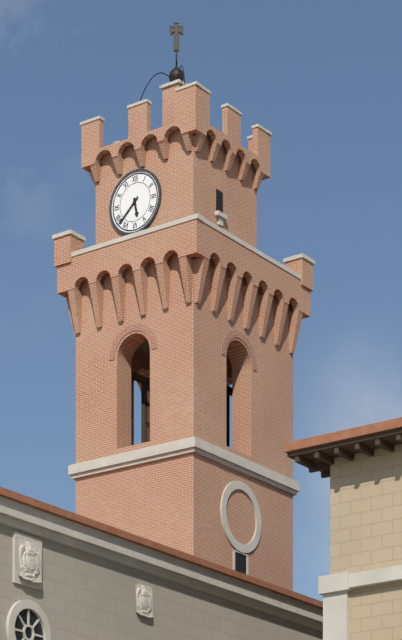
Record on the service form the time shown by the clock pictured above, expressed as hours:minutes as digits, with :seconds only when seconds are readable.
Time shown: 5:38
